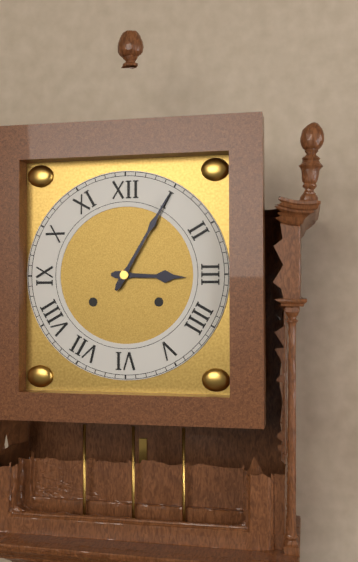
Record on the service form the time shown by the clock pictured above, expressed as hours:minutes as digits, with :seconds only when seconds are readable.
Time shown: 3:05
